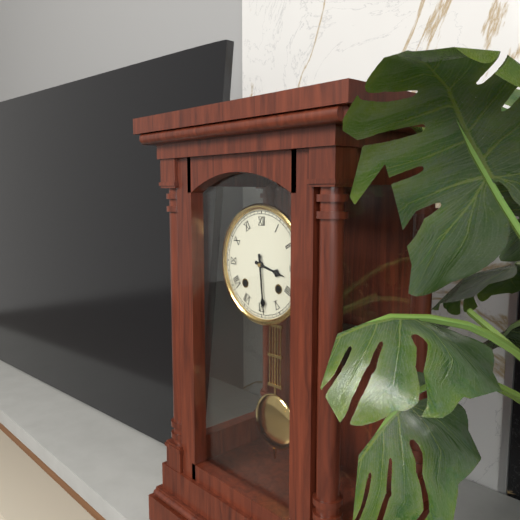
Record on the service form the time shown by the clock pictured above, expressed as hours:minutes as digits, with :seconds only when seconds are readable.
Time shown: 3:29
